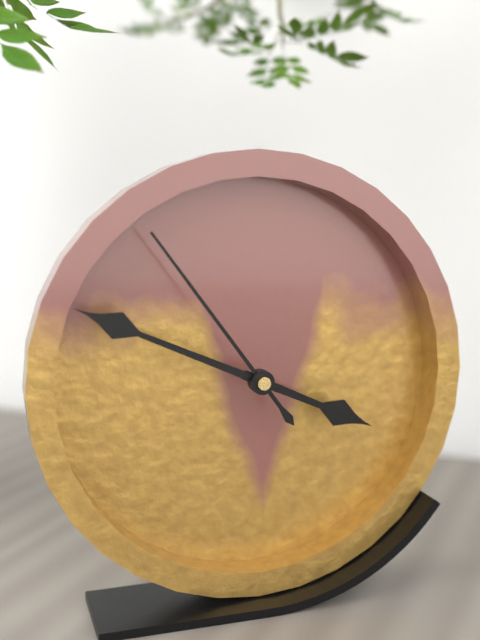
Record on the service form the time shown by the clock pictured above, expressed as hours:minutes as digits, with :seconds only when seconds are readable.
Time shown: 3:49:54
